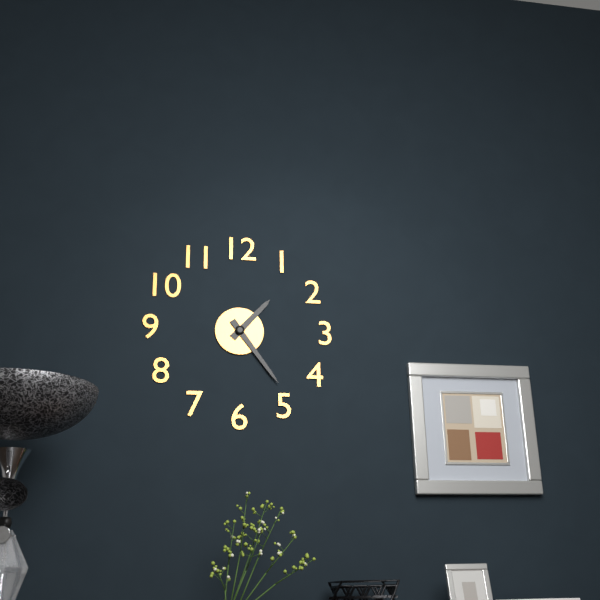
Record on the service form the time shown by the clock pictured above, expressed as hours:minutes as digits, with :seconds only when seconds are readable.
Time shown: 1:24
